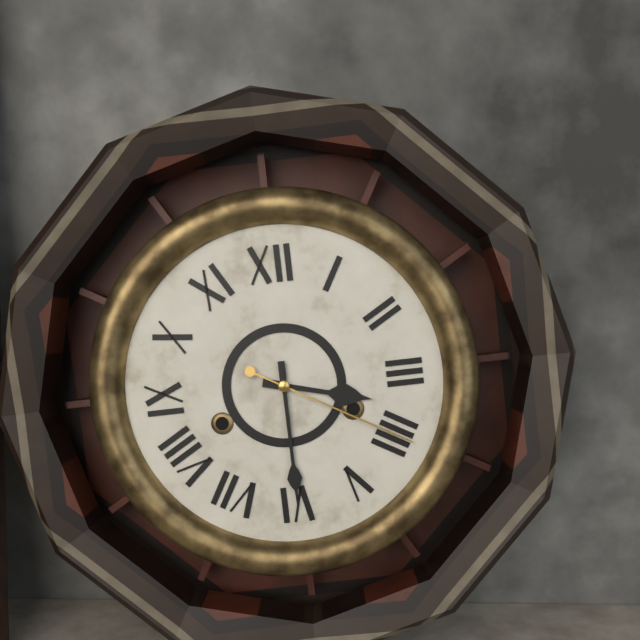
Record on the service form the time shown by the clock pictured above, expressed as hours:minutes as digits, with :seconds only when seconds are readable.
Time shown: 3:30:20
